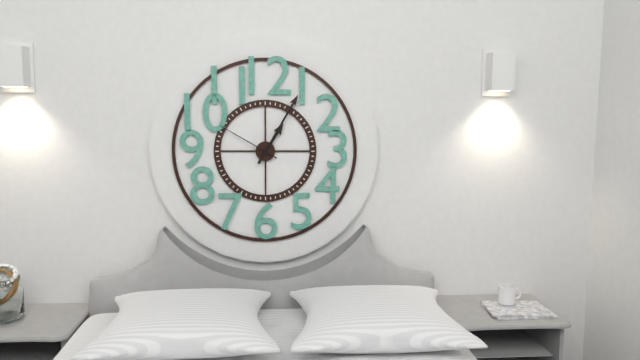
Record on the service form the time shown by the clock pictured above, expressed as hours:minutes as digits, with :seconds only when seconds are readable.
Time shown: 1:05:50
